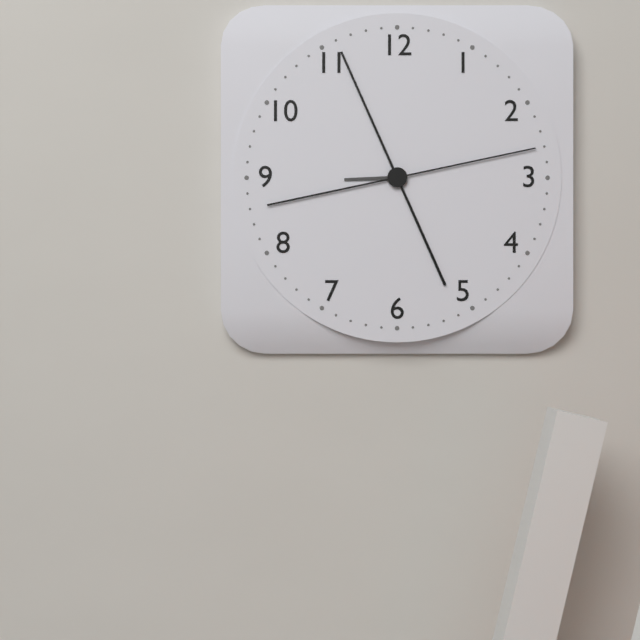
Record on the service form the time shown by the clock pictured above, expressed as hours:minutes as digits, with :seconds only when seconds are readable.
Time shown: 8:56:13
